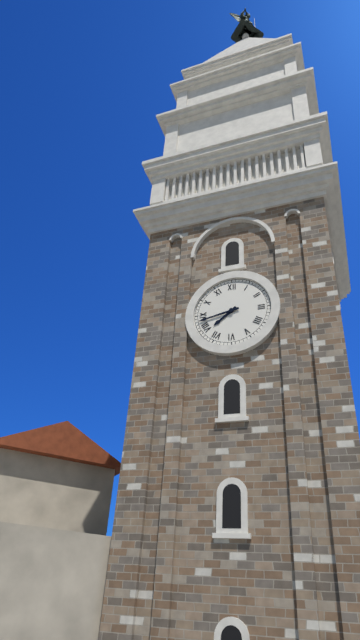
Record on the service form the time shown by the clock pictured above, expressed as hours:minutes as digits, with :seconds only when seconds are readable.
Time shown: 7:43
